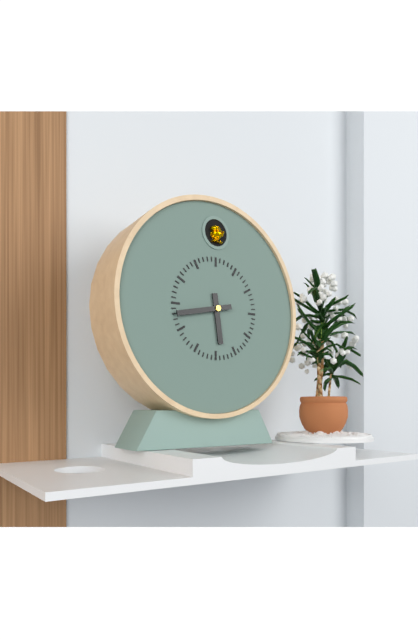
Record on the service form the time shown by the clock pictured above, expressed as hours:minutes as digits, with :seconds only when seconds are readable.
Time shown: 5:43
